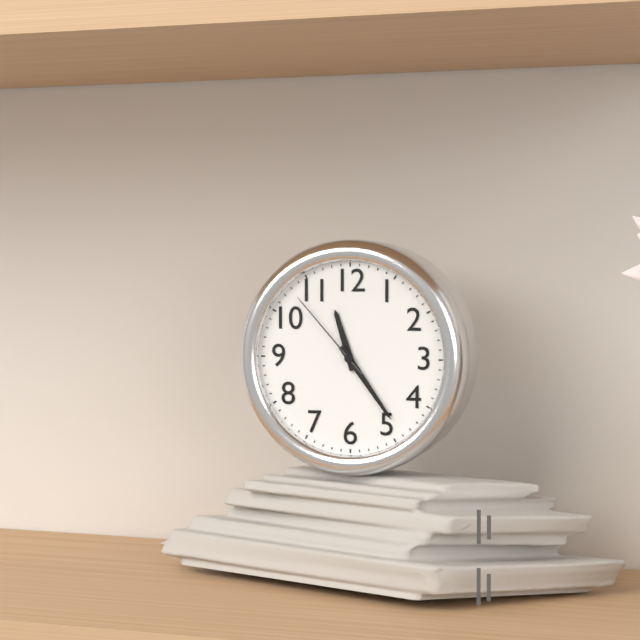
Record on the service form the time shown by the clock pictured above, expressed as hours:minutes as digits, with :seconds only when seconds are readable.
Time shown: 11:24:53
